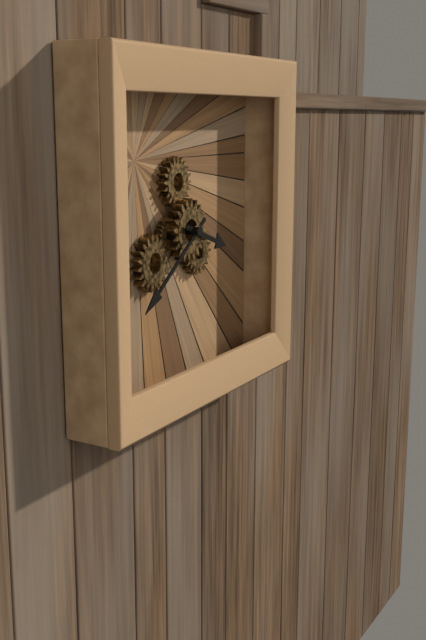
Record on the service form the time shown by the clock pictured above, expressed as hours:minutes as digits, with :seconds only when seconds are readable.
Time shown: 3:39
